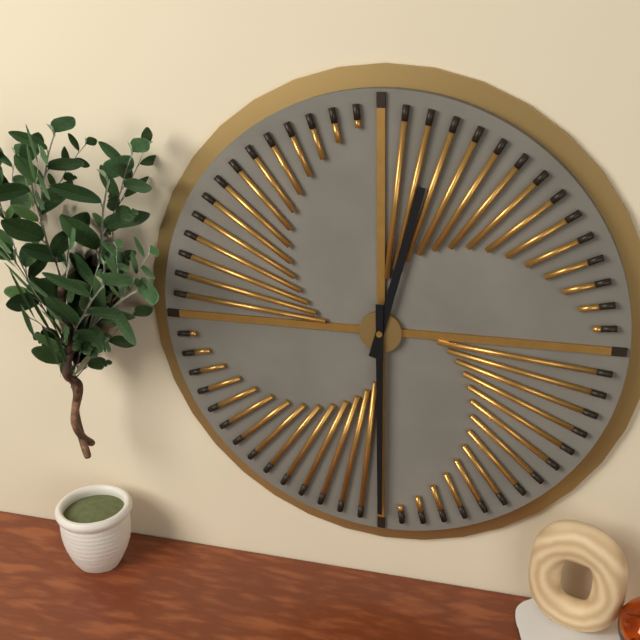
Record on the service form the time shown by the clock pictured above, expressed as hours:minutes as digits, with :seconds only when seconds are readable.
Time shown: 12:30
